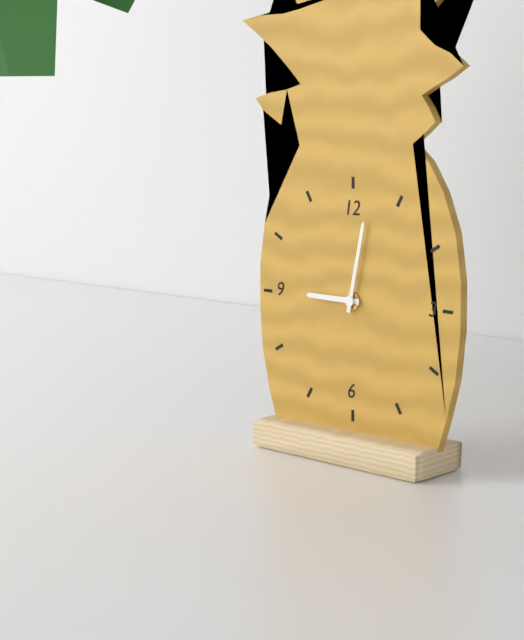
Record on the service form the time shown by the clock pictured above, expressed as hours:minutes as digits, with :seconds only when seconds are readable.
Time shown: 9:02
